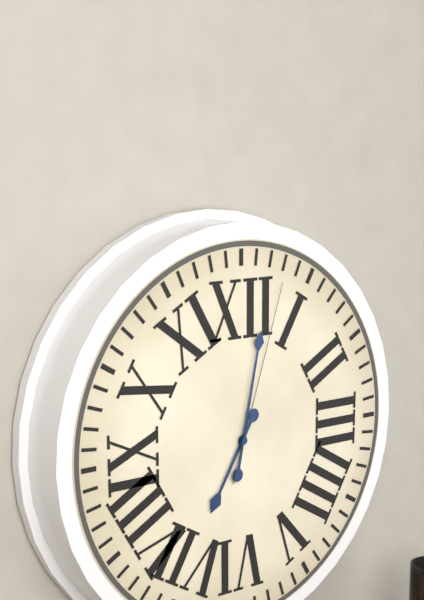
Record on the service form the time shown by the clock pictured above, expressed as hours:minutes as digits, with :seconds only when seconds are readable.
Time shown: 7:02:03
